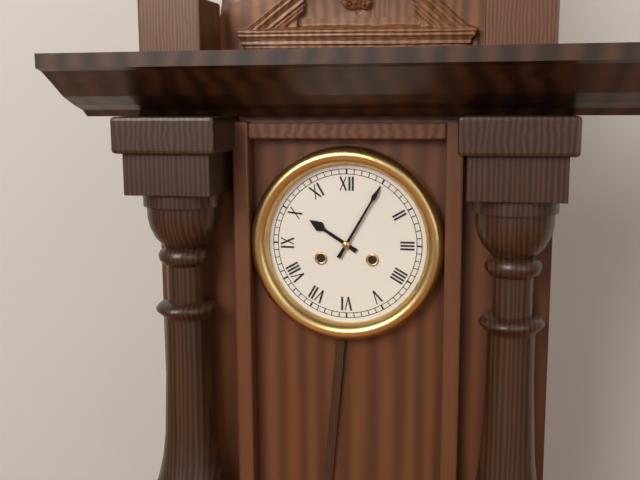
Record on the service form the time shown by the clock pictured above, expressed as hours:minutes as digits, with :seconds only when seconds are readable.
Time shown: 10:05
